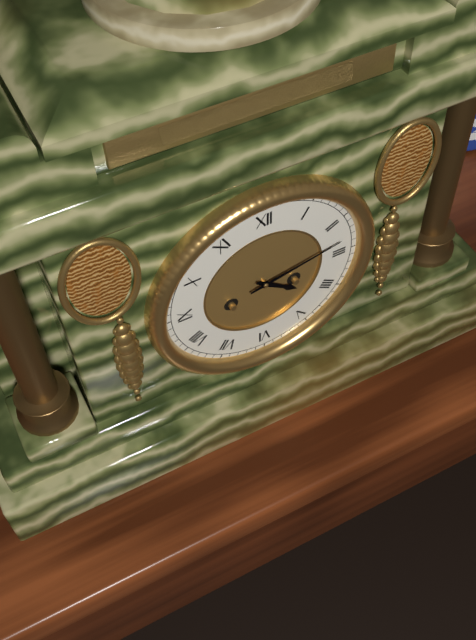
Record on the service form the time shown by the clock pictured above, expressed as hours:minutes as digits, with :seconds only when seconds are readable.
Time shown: 4:13
